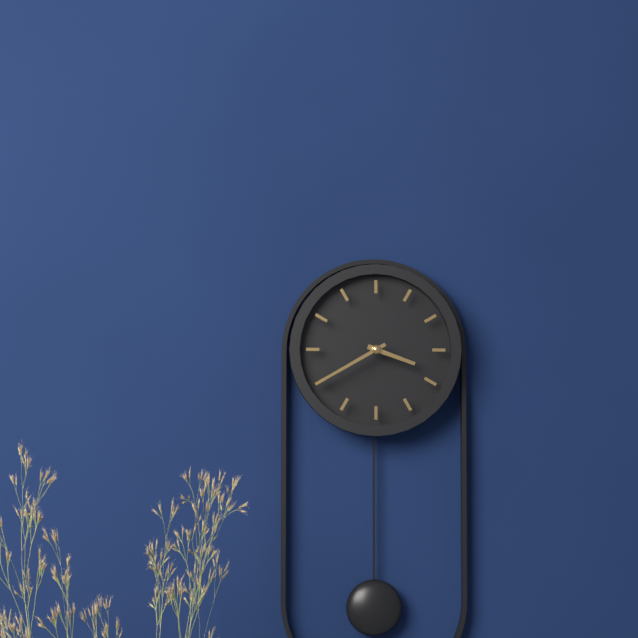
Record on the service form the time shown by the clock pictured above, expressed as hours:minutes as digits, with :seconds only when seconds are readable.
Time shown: 3:40
